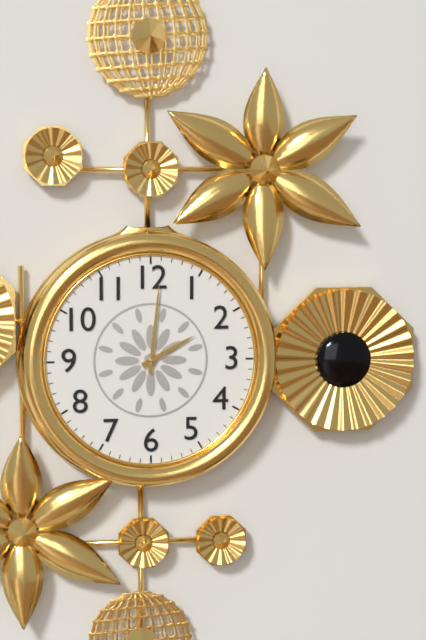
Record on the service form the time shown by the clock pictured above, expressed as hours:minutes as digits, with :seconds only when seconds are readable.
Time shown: 2:01
